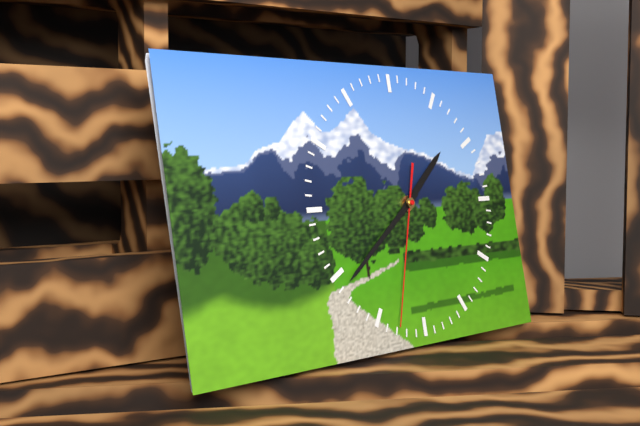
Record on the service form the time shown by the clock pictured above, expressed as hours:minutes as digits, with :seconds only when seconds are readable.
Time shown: 1:39:33
